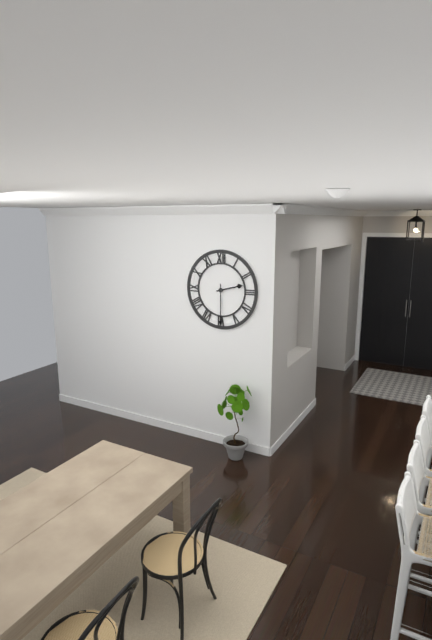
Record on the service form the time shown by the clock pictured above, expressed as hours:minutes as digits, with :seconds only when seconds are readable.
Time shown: 2:30
